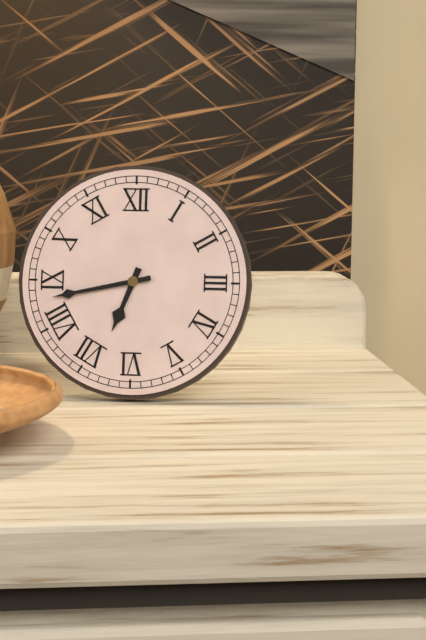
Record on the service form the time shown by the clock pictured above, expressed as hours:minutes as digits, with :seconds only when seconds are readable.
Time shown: 6:43
